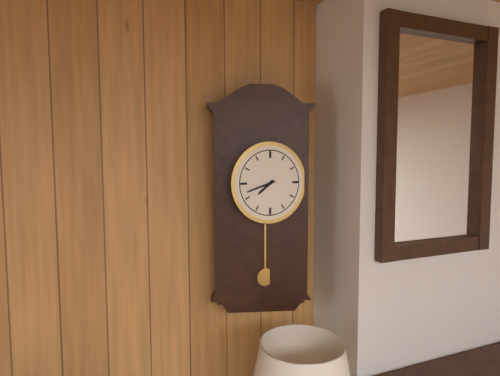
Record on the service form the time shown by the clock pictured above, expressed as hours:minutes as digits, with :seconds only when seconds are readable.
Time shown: 7:42
